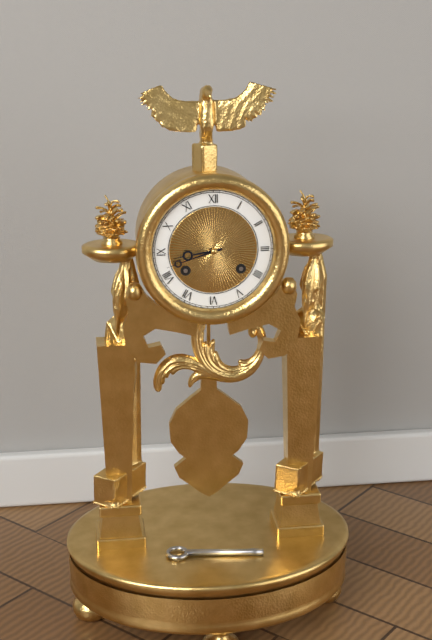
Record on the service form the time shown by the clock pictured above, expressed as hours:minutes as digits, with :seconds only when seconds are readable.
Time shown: 8:42
